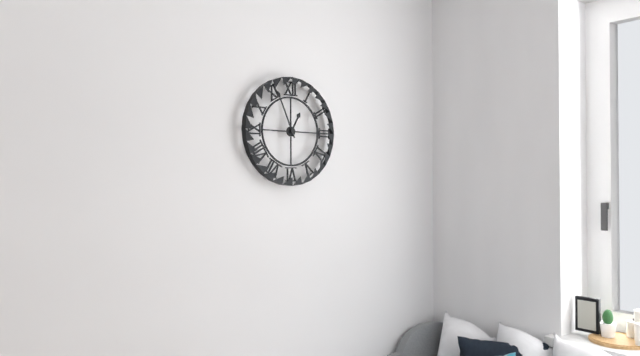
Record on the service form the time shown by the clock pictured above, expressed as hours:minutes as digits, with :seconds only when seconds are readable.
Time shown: 12:56
